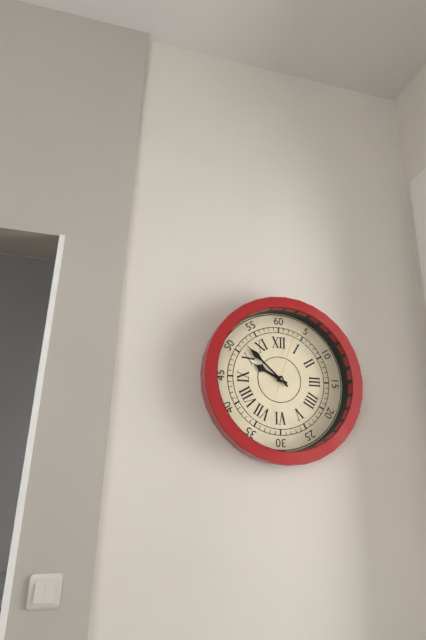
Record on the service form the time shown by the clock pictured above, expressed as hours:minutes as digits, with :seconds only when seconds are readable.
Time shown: 9:52:03
